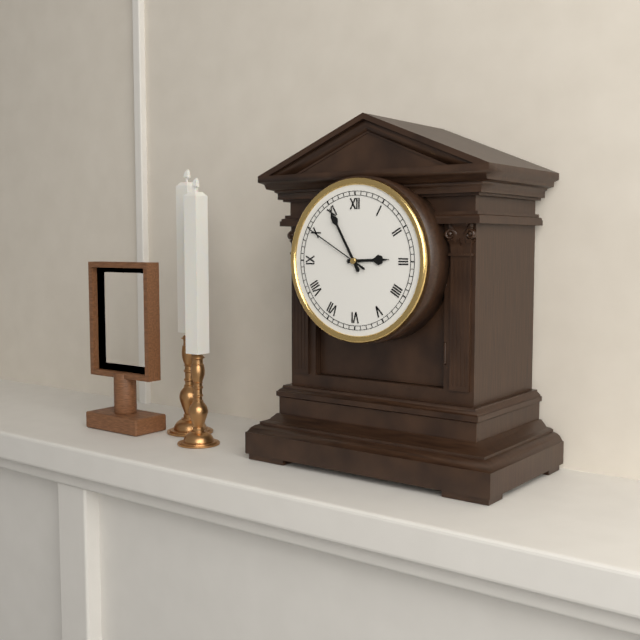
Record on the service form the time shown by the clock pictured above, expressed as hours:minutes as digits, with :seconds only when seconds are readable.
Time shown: 2:55:50
